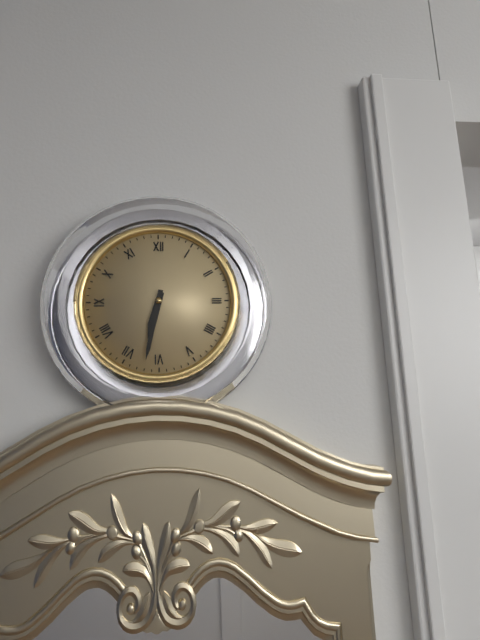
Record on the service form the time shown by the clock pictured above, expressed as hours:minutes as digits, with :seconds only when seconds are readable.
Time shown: 6:32
